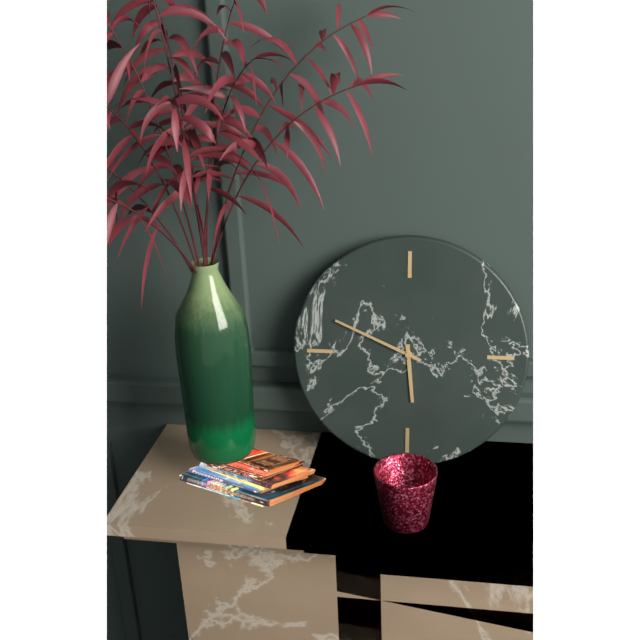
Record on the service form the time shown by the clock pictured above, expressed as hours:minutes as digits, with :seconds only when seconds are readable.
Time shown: 5:49
